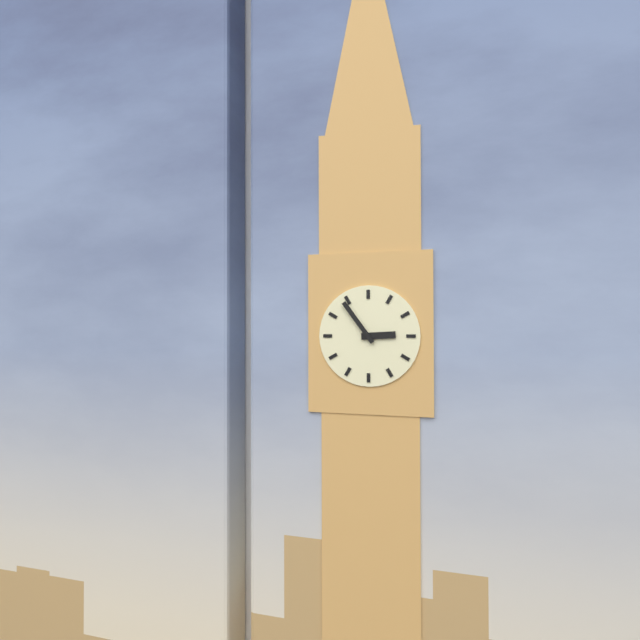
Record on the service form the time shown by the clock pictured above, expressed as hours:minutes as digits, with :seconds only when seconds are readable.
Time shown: 2:54
